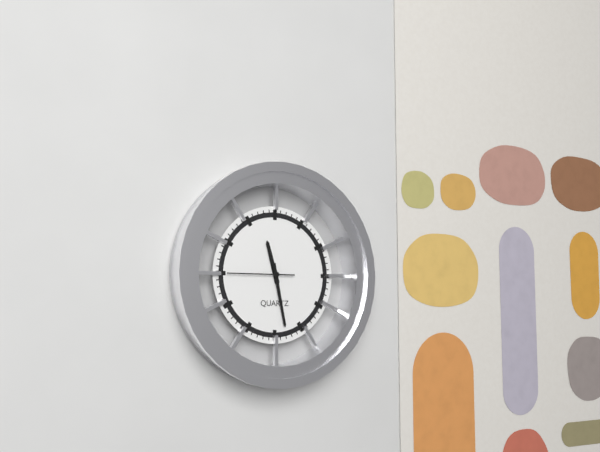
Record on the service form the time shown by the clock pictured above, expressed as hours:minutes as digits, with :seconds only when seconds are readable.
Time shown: 11:28:45
